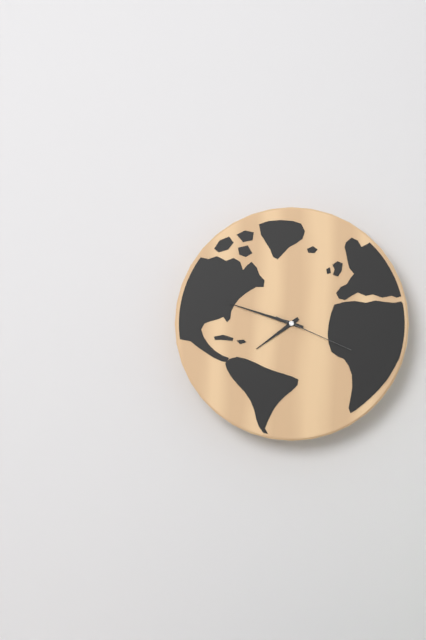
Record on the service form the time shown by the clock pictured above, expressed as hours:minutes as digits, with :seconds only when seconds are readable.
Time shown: 7:48:19
